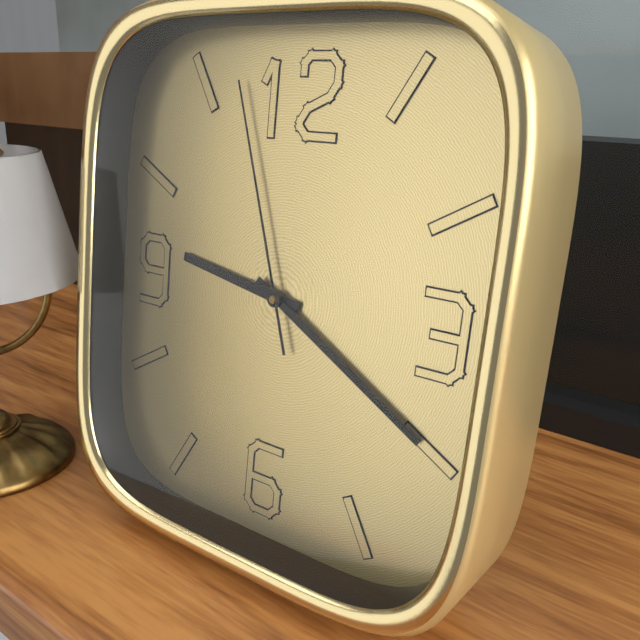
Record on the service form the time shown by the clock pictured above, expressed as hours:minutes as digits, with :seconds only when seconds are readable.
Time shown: 9:20:57
